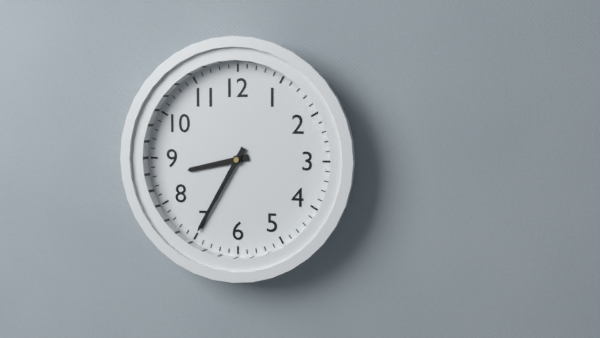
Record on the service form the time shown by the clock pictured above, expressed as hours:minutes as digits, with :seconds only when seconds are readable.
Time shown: 8:35
